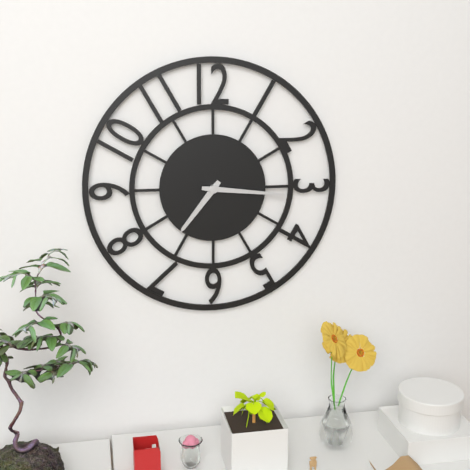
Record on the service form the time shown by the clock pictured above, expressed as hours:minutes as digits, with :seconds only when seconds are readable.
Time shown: 7:16
